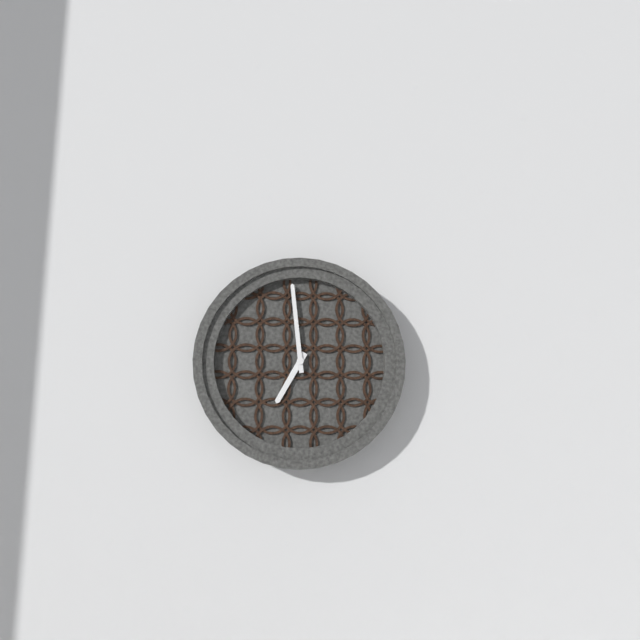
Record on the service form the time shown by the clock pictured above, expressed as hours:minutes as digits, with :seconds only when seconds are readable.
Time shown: 6:59
